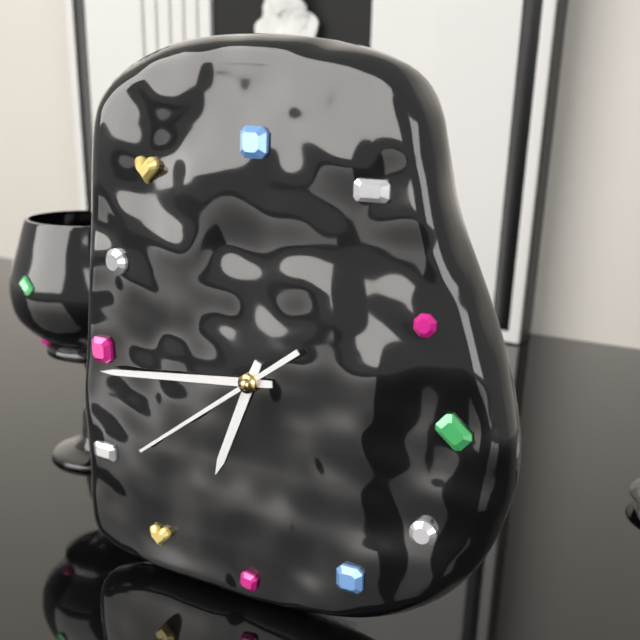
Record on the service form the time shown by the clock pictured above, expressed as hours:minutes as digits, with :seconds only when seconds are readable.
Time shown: 6:44:39
